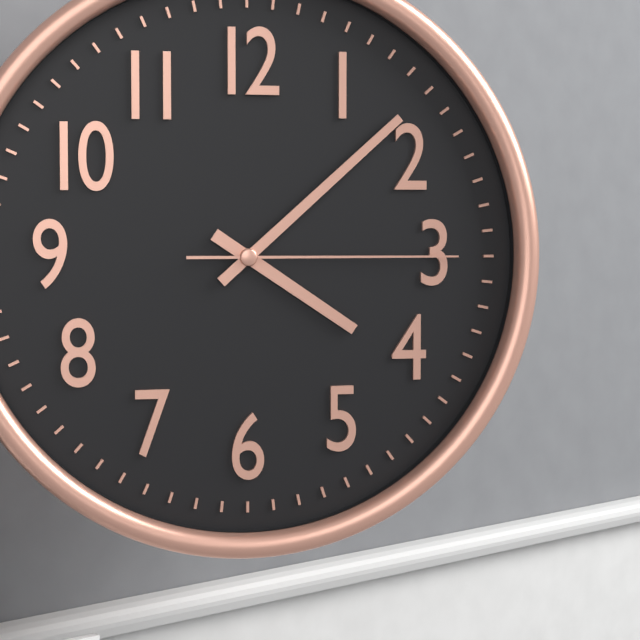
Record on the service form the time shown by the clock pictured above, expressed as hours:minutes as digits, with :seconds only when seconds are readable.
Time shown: 4:08:15
